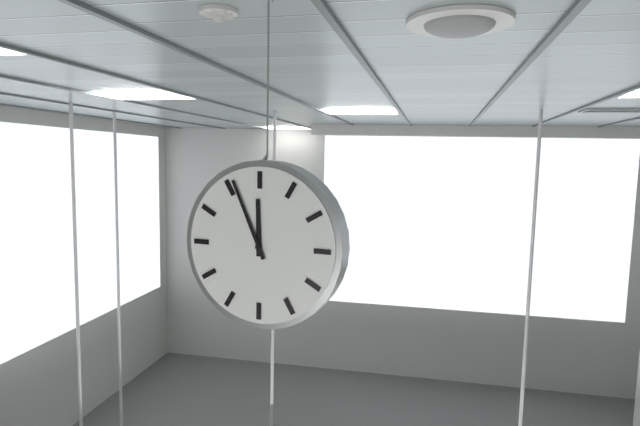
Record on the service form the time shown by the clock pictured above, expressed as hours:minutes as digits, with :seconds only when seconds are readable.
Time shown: 11:56
